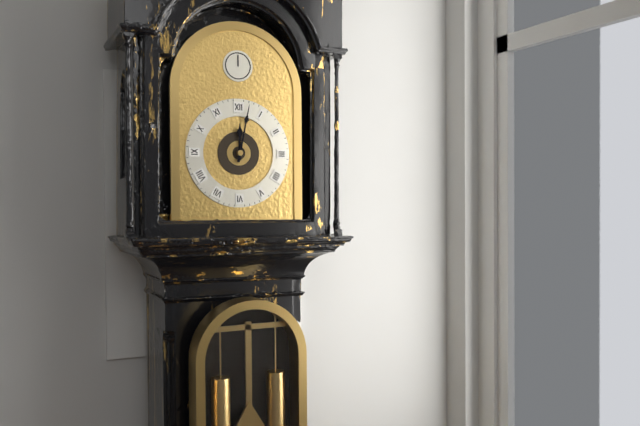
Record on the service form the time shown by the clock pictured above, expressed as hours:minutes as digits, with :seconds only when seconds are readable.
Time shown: 12:02
